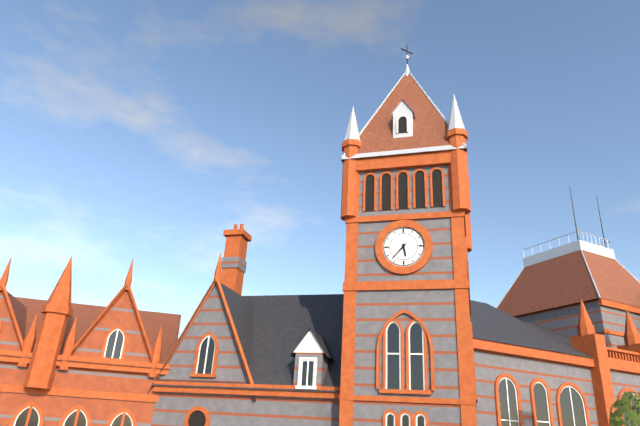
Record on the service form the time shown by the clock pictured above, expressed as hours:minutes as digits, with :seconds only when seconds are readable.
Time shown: 5:37
